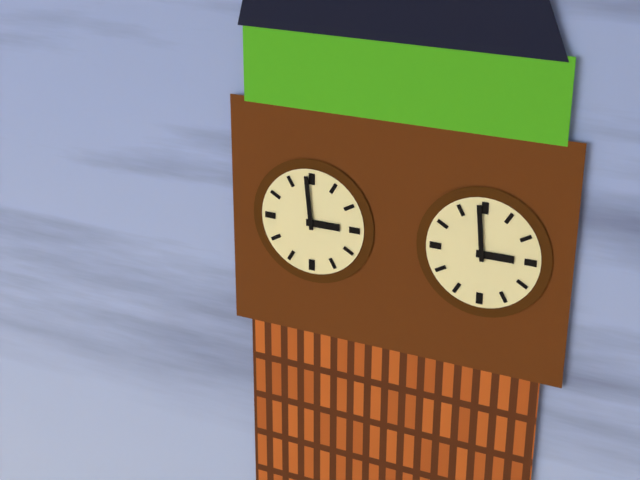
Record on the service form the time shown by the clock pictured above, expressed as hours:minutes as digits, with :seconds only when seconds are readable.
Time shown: 2:59
